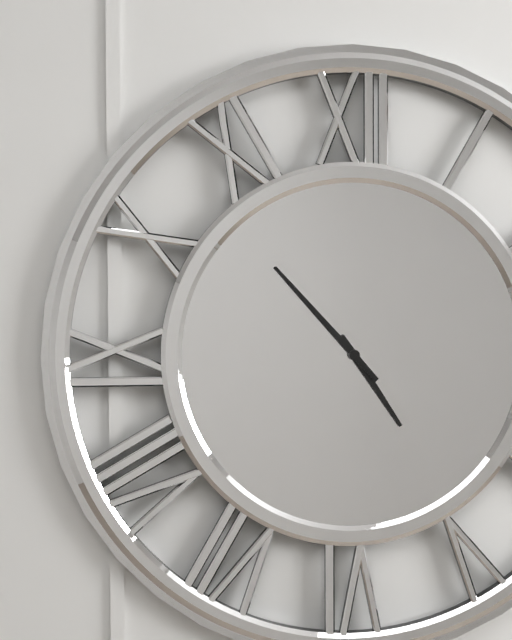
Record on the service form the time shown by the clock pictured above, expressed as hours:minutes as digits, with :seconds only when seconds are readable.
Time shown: 4:53
